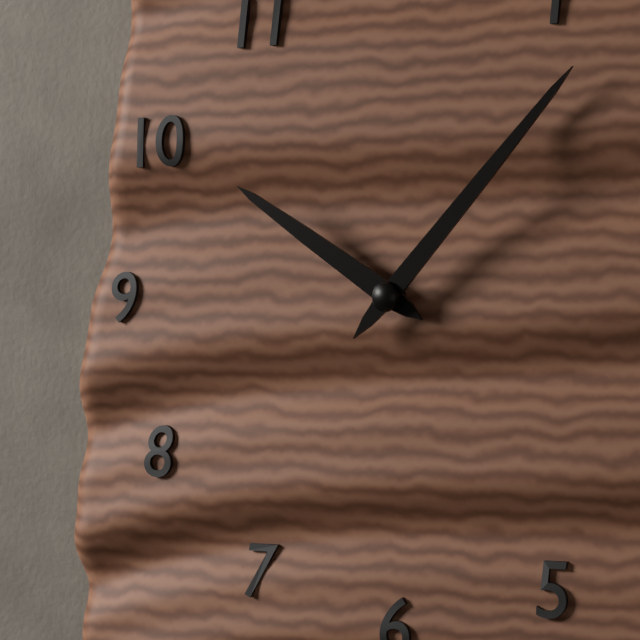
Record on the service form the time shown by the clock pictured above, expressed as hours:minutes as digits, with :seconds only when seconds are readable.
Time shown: 10:07
